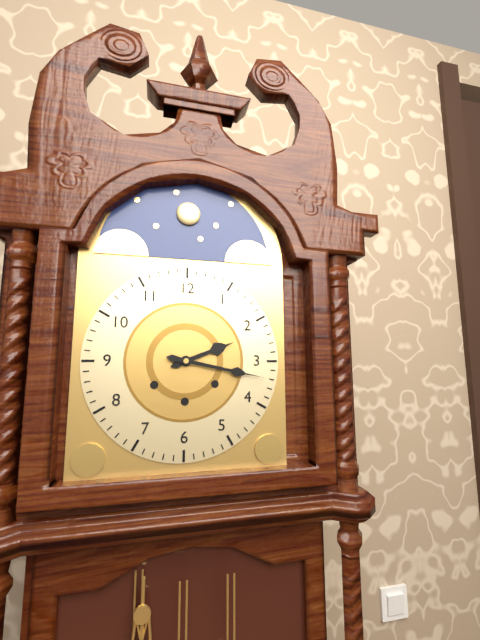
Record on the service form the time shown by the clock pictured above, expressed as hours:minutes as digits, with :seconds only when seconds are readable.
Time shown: 2:17
